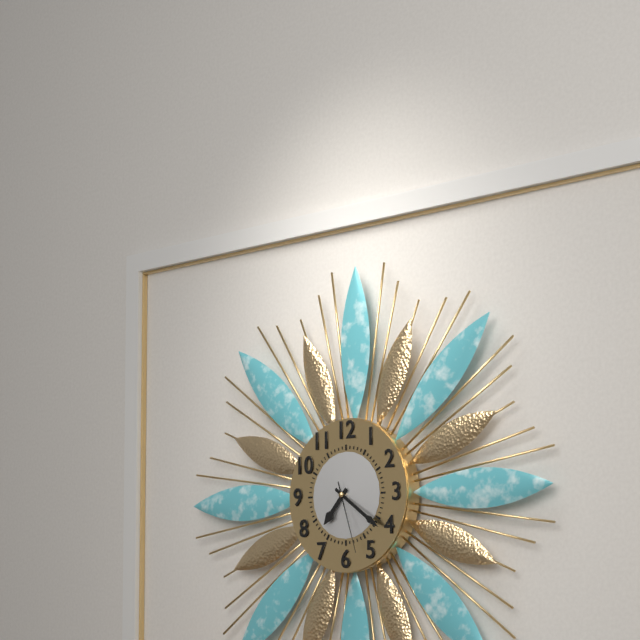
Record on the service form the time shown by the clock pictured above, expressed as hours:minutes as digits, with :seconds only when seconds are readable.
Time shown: 7:21:27
